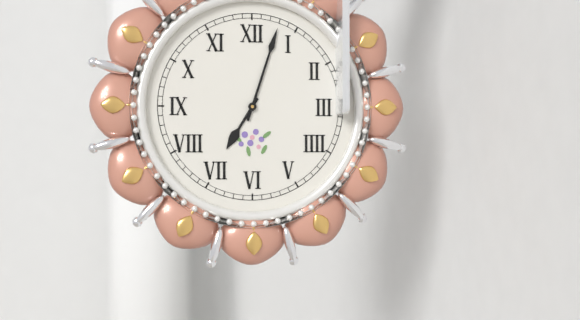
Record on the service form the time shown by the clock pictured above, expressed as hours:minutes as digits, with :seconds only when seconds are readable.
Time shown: 7:03
